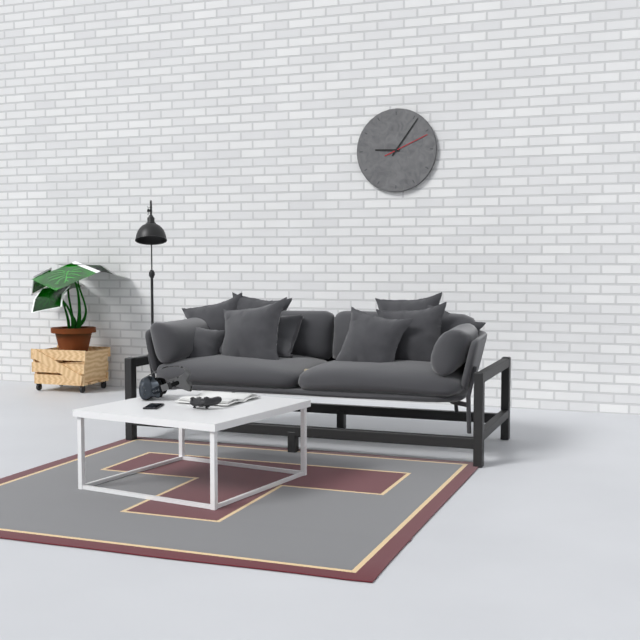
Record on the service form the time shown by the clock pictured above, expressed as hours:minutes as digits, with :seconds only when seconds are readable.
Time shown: 9:06
